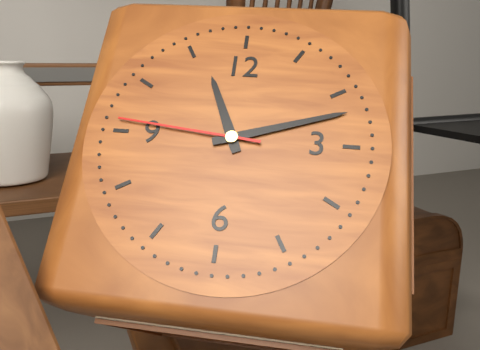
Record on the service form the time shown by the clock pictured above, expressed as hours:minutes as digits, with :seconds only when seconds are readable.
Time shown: 11:12:46
